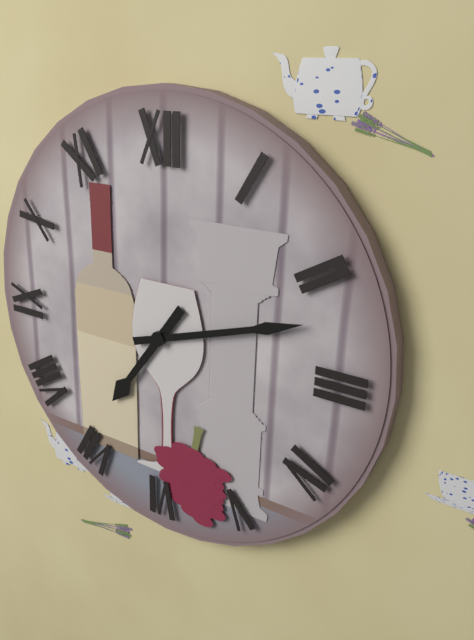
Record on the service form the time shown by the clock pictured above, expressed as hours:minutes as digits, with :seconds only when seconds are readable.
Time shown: 7:12
